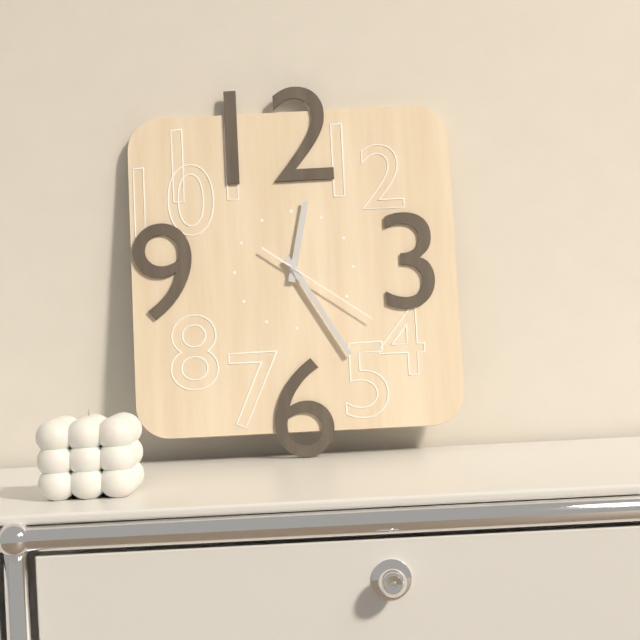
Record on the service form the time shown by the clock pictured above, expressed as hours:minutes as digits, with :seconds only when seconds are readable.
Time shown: 12:25:21
